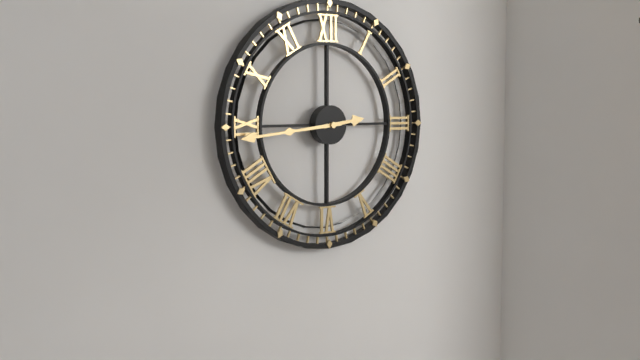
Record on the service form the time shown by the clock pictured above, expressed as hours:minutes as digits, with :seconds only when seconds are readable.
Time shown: 2:44
